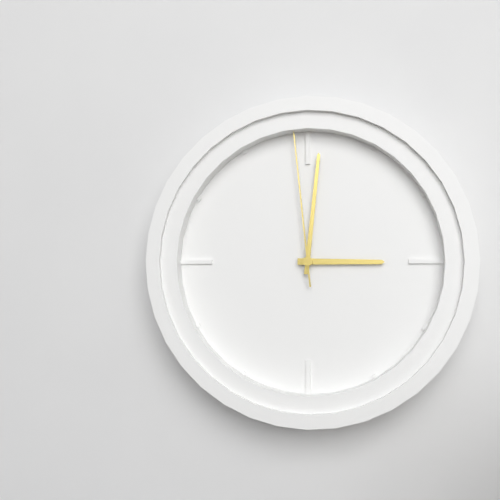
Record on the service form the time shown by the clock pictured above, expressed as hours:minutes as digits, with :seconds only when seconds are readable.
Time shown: 3:01:59
